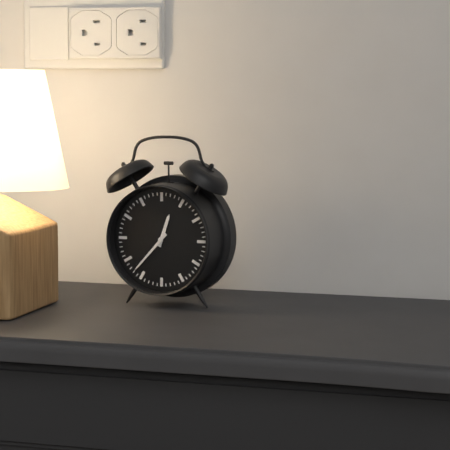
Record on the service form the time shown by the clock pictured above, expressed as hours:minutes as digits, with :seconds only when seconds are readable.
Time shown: 12:37
